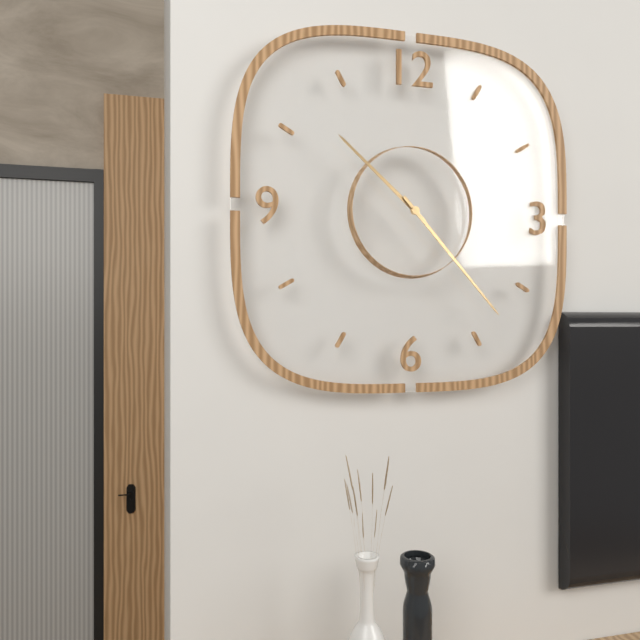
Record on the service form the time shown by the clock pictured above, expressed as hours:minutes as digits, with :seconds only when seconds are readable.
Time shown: 10:23
